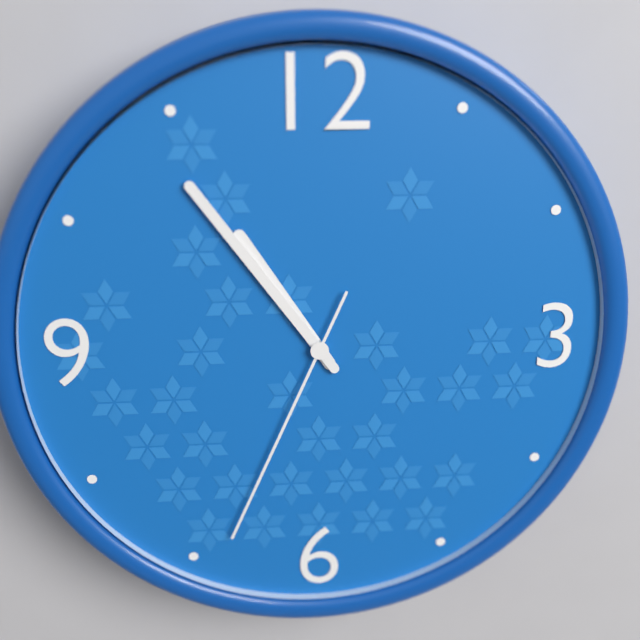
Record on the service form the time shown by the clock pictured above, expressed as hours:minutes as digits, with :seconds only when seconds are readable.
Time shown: 10:54:34
